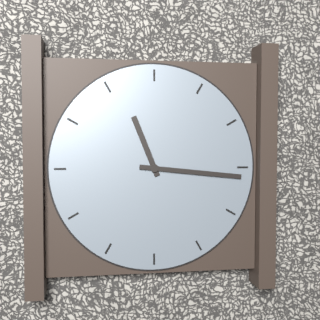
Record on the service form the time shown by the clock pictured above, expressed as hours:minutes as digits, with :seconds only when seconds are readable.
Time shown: 11:16
